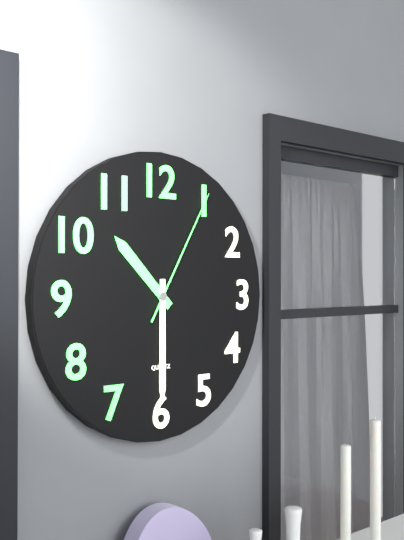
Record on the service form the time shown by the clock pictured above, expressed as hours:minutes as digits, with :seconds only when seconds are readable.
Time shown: 10:30:05
